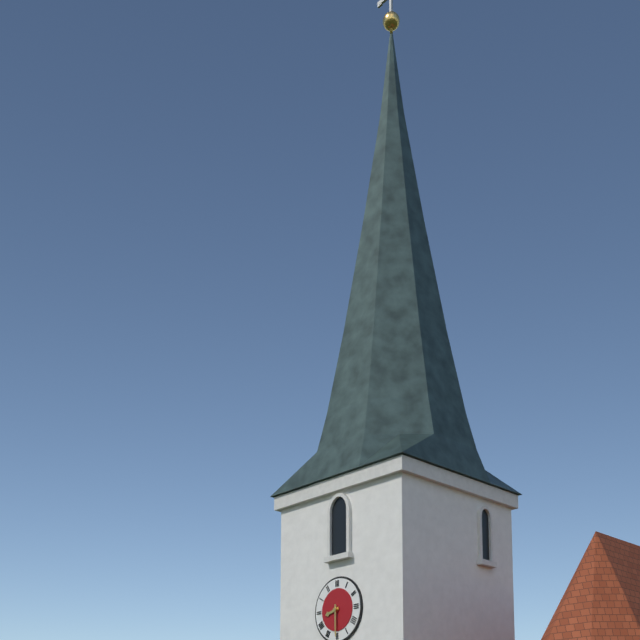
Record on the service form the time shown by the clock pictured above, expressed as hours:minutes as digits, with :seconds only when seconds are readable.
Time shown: 8:30
